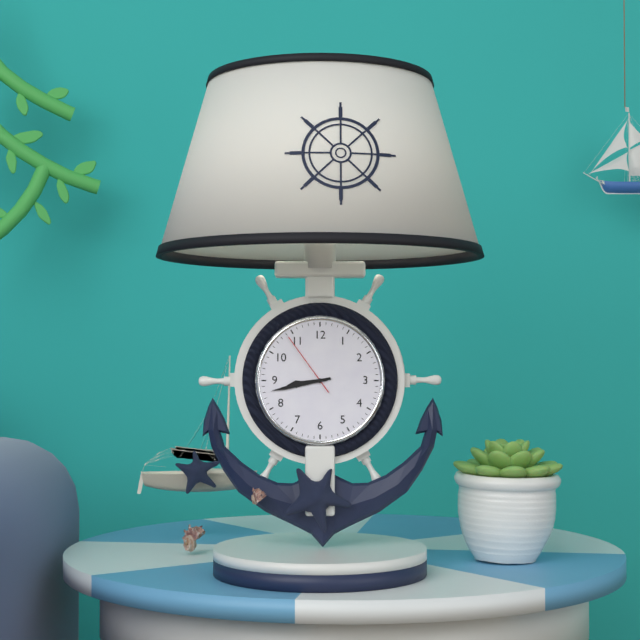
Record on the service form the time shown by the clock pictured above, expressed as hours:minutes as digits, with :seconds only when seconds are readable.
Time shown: 8:43:54
